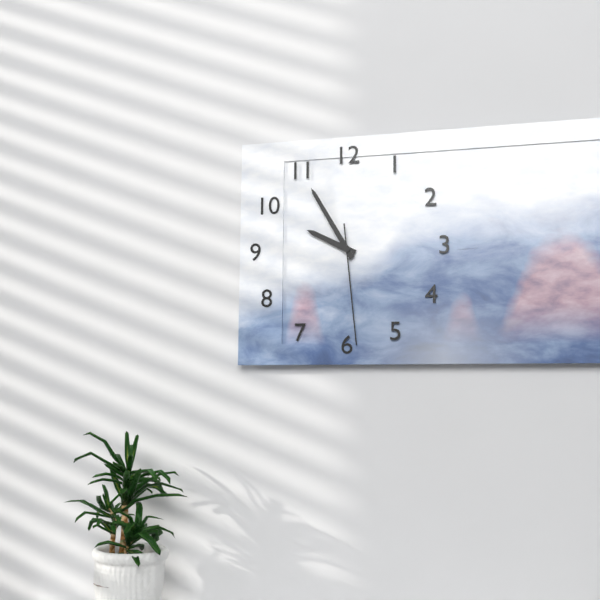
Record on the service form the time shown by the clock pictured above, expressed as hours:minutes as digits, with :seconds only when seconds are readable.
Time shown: 9:55:29
